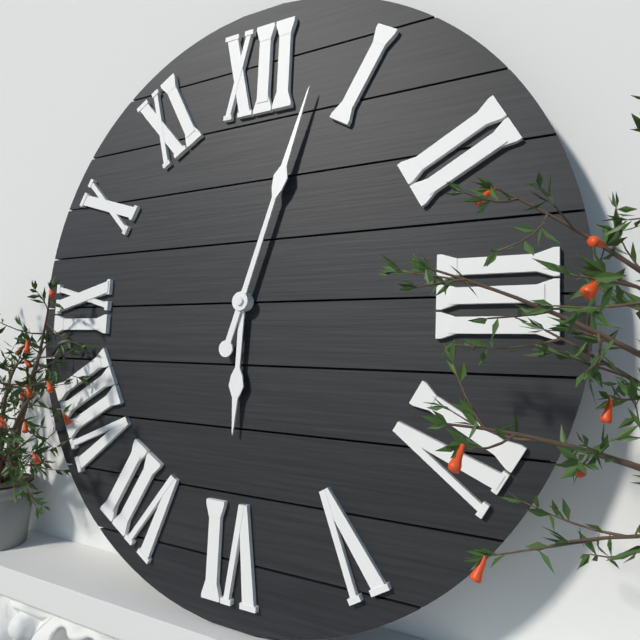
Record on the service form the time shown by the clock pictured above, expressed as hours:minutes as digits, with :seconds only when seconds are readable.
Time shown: 6:03
